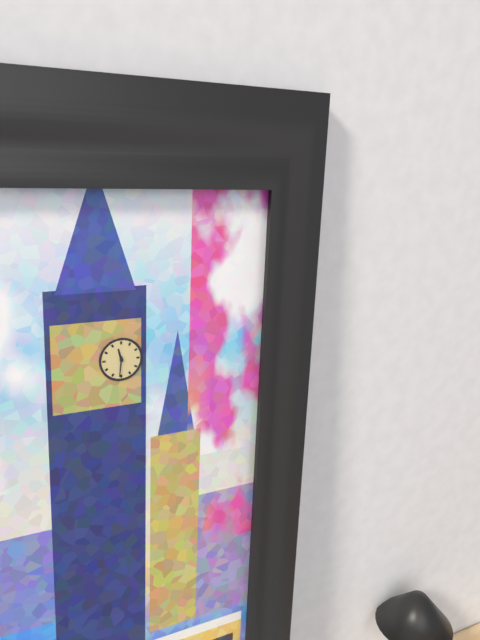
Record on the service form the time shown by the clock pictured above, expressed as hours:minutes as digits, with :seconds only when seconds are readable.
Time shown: 11:31
